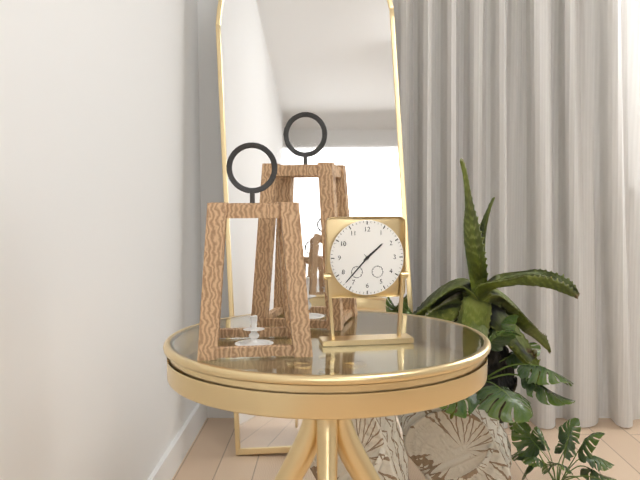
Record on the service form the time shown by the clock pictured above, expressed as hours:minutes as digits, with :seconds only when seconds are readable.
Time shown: 1:37
